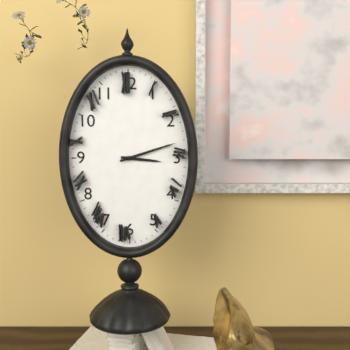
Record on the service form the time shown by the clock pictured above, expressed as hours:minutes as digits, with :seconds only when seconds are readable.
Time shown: 3:12
